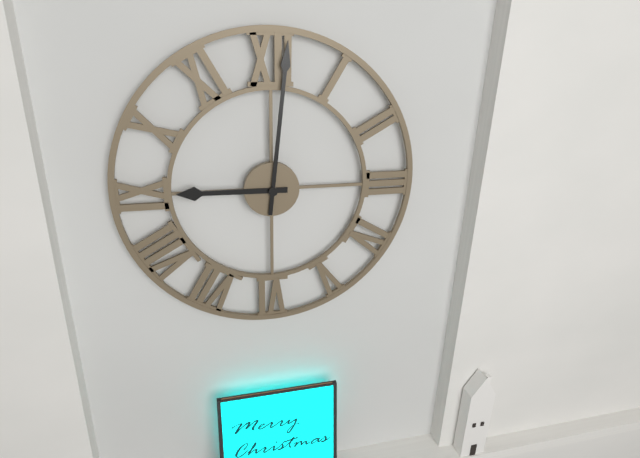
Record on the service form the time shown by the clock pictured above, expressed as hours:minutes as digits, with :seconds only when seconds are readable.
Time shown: 9:01
